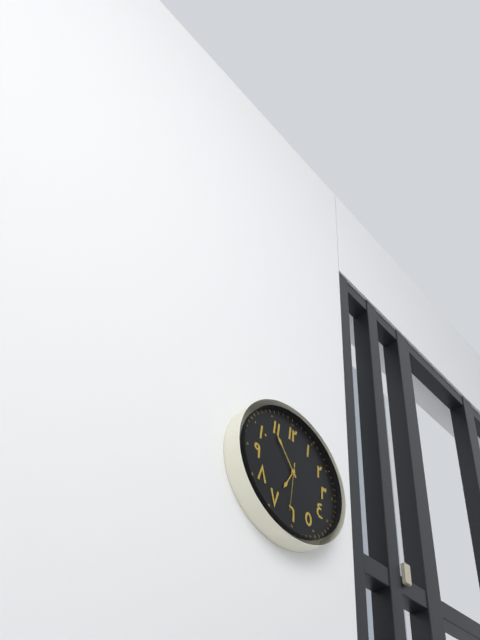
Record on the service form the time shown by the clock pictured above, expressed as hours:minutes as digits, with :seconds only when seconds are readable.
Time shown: 6:54
